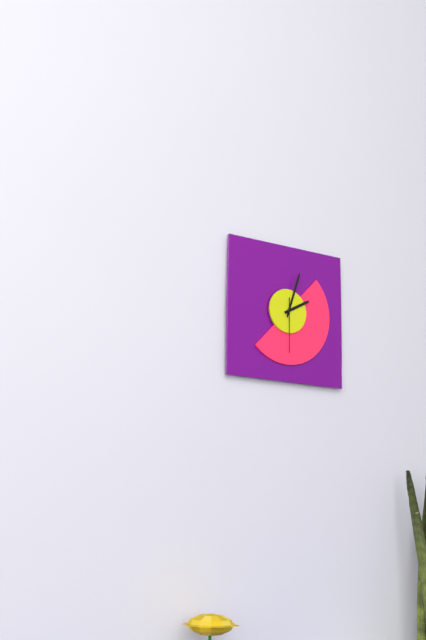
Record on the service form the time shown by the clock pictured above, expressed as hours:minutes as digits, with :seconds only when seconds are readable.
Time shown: 2:03:30
